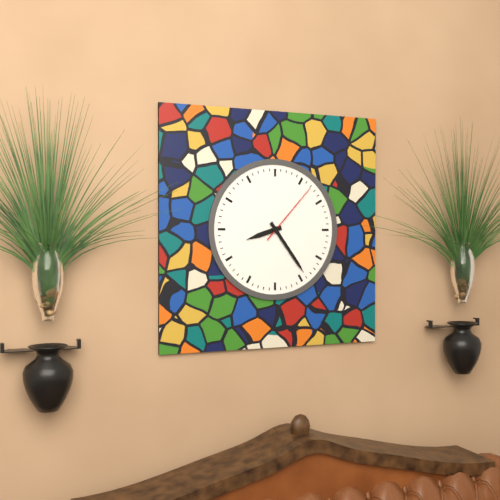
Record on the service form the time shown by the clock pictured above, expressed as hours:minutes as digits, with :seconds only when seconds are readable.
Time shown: 8:24:07
